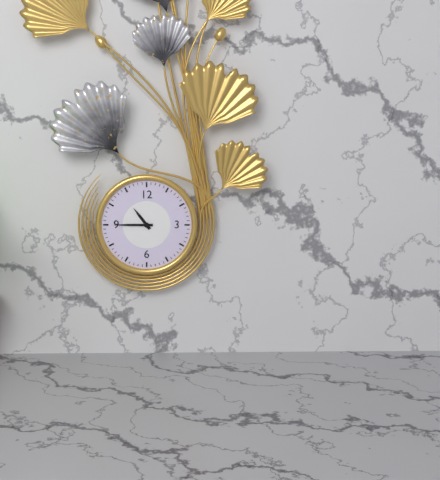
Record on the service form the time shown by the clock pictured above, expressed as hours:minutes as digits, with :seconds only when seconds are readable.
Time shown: 10:45
